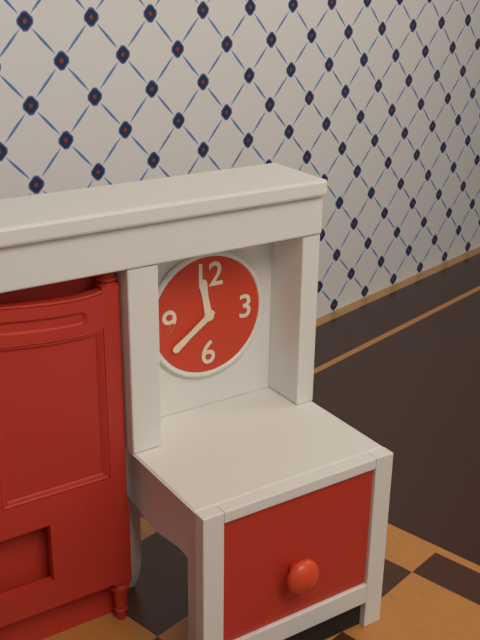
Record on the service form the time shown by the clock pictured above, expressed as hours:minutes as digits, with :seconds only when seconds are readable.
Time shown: 11:39
